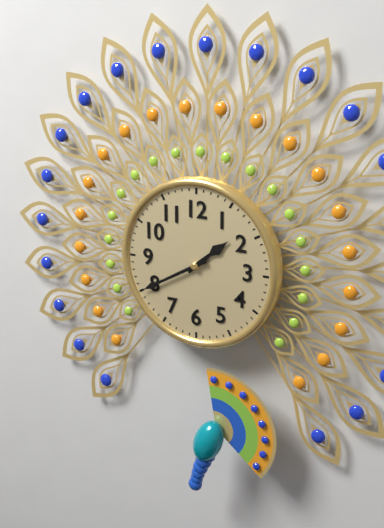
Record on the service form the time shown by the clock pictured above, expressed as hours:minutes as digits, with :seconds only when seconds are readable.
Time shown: 1:40
